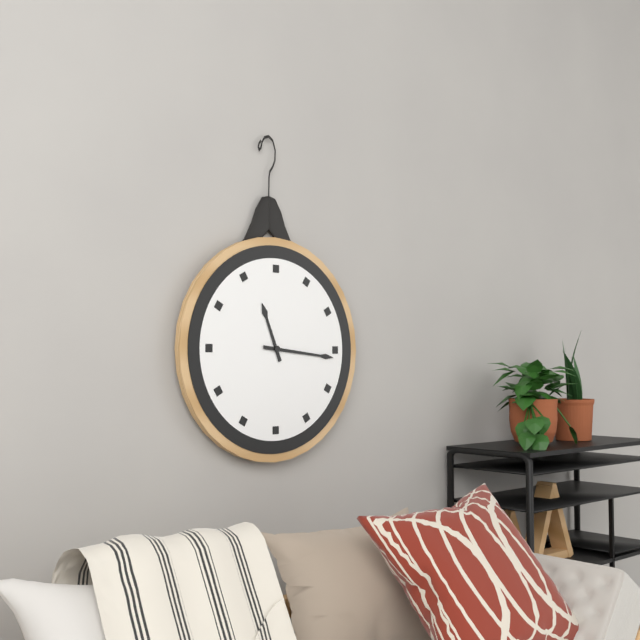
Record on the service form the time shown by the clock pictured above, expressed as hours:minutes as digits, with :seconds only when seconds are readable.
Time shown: 11:16
